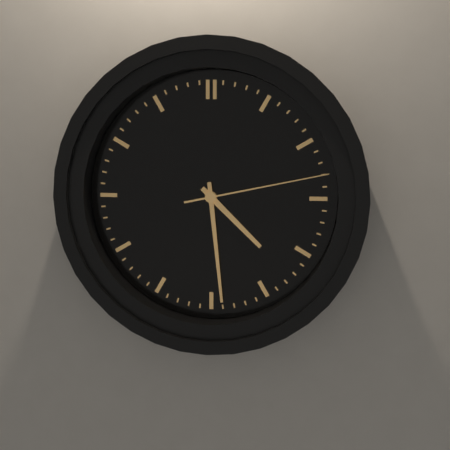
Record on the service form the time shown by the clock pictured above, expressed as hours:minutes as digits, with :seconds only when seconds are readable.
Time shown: 4:29:13
